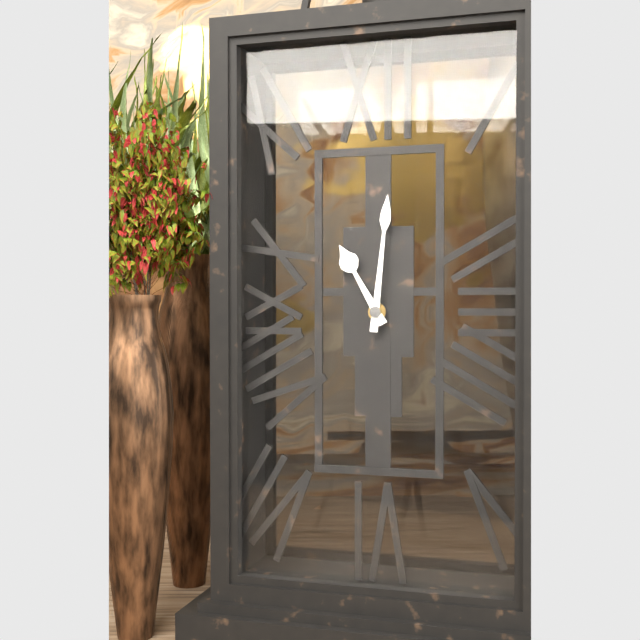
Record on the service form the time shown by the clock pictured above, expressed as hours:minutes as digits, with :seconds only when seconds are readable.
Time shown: 11:01
